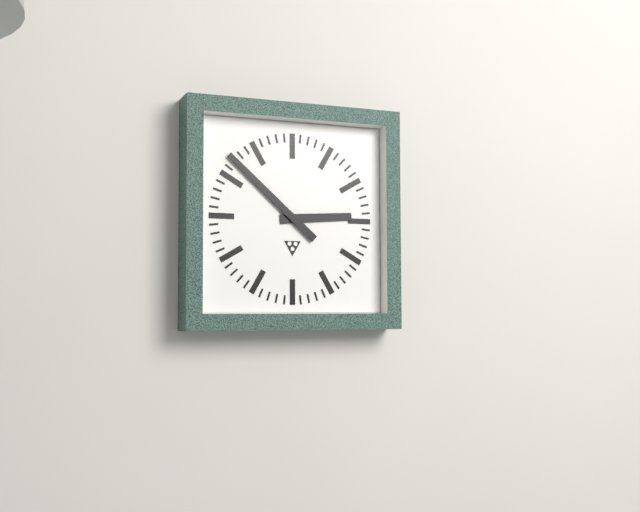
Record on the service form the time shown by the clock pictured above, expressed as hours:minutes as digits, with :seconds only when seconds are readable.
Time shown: 2:52
